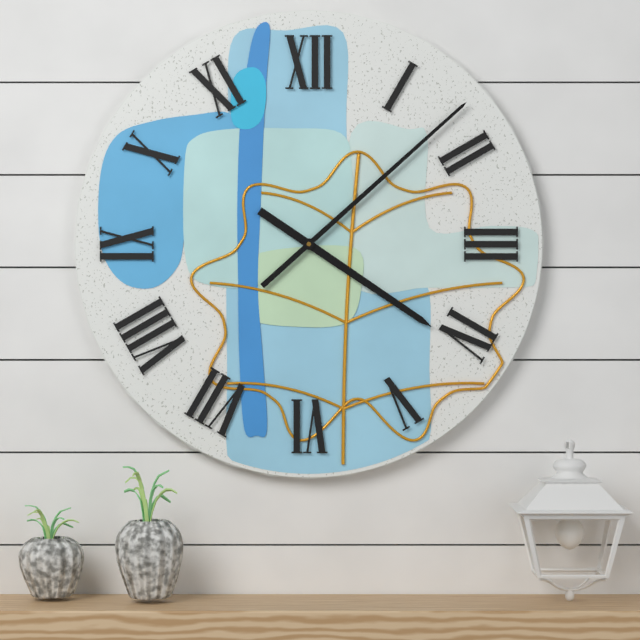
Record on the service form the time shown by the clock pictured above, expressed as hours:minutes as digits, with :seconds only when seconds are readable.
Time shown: 4:08
